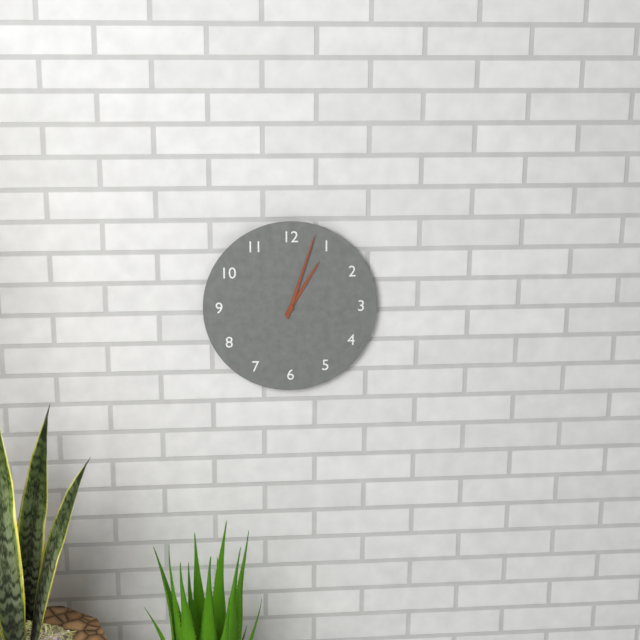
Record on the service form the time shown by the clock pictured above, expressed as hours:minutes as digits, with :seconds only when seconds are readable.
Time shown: 1:03
